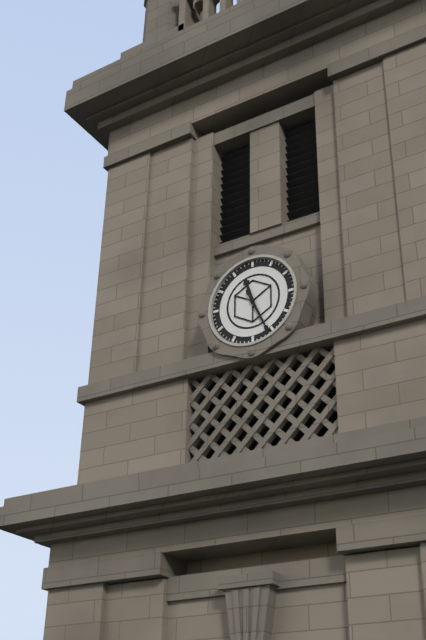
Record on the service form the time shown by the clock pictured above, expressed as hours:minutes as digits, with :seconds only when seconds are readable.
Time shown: 11:26
